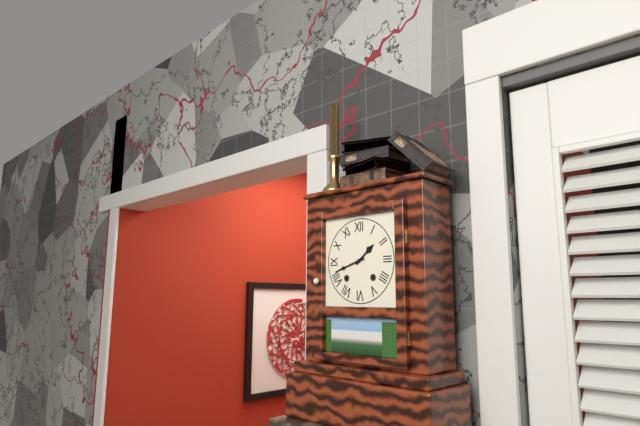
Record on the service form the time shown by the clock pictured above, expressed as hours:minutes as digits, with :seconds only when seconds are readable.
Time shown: 1:42
